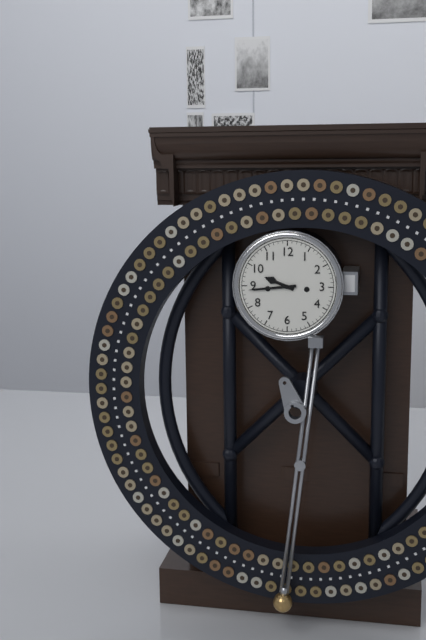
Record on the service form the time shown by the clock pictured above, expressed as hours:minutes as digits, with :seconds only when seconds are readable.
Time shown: 9:44
